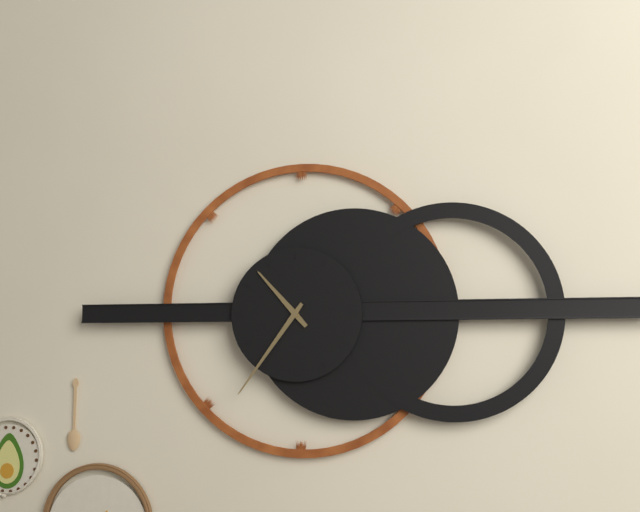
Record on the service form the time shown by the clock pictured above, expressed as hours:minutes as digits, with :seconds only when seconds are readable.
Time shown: 10:36
